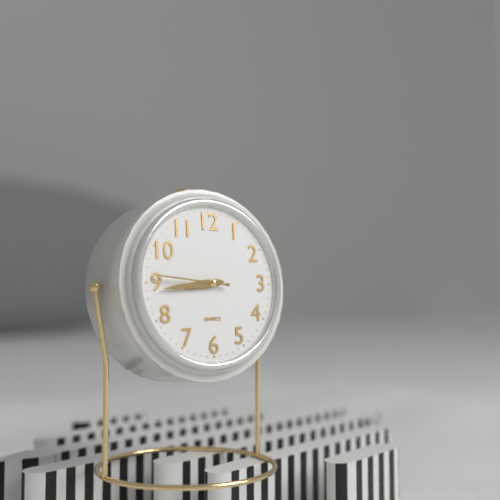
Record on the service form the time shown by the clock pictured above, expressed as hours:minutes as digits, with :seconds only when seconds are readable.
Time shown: 8:44:46
